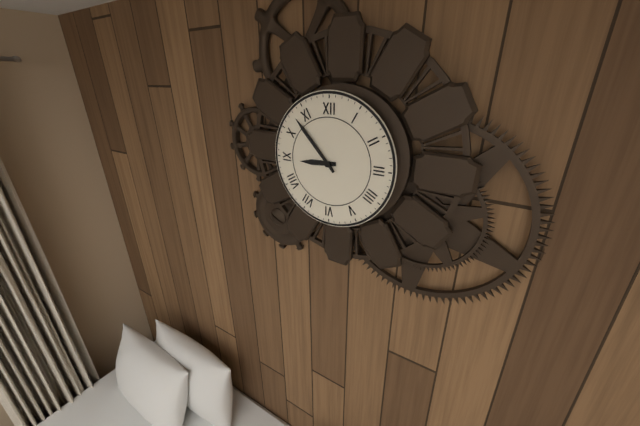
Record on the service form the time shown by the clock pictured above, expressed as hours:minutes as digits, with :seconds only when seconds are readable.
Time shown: 8:53
